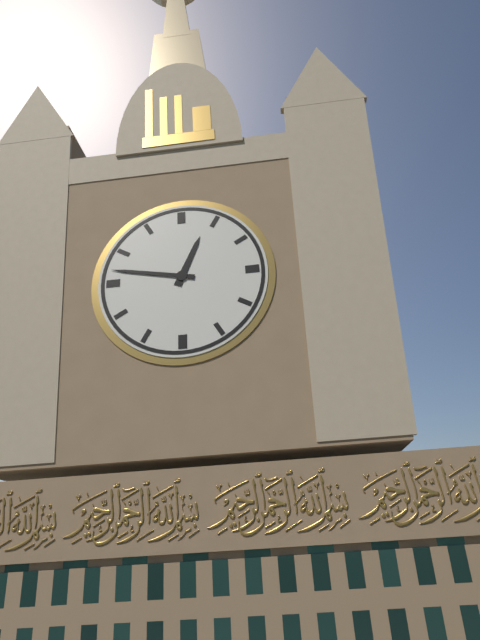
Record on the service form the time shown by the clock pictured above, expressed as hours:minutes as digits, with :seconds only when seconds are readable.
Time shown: 12:47
